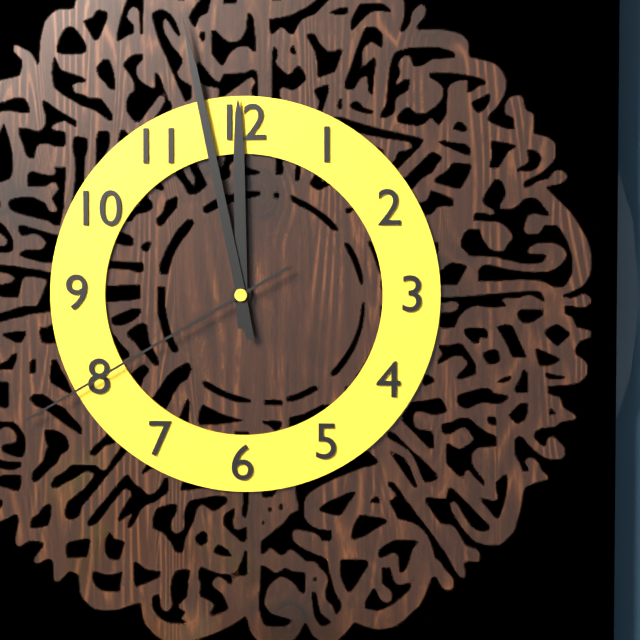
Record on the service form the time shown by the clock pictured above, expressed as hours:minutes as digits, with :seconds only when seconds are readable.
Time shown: 11:58:40
